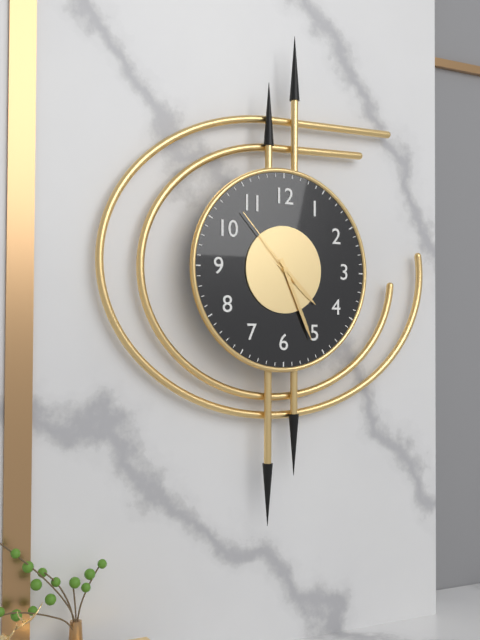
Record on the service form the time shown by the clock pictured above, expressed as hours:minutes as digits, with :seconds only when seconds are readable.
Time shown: 4:26:53
